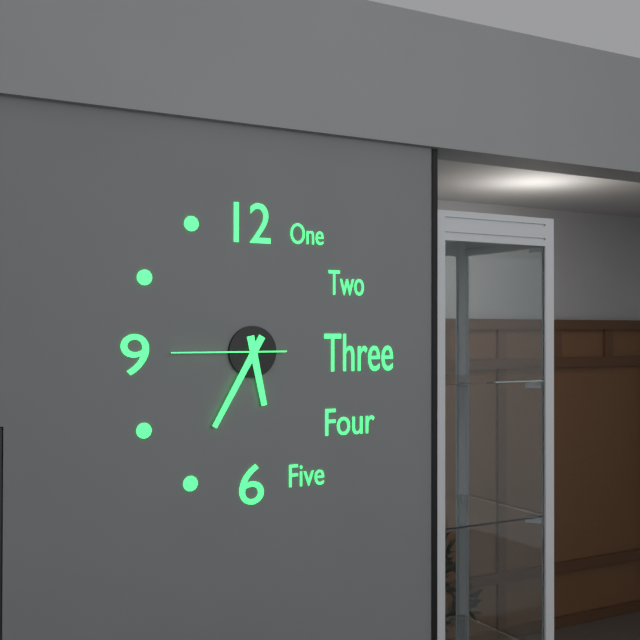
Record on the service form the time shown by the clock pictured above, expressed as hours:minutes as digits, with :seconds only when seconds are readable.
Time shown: 5:35:45
